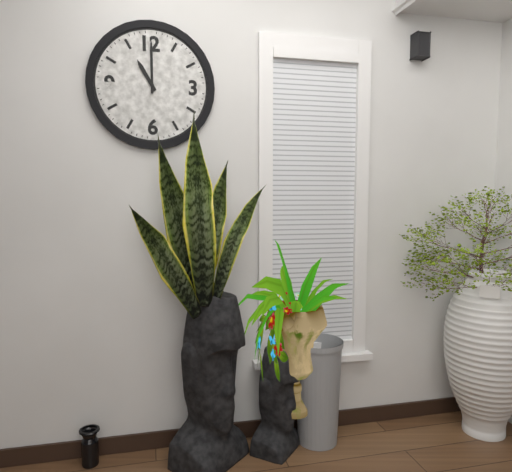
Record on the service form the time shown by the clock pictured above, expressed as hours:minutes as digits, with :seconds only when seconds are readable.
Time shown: 11:00
